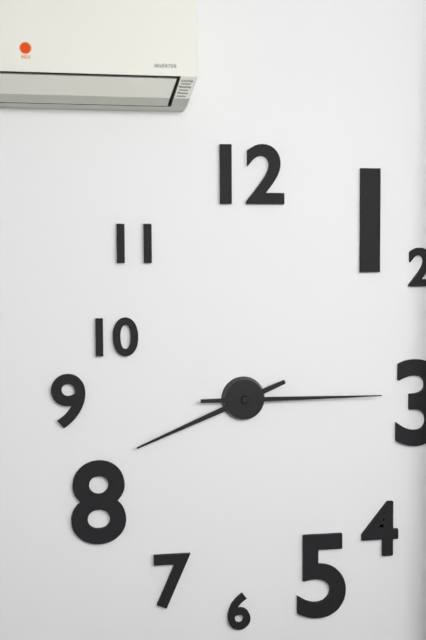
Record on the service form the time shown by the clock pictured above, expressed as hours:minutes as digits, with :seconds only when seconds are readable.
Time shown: 8:15
